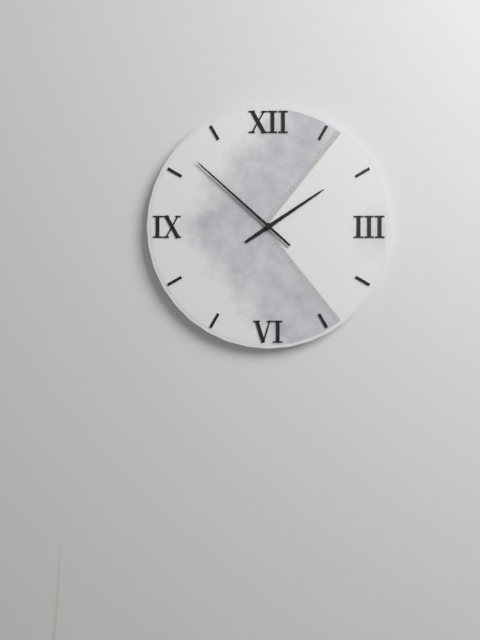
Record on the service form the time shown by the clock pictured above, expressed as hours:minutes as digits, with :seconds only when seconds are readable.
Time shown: 1:52
